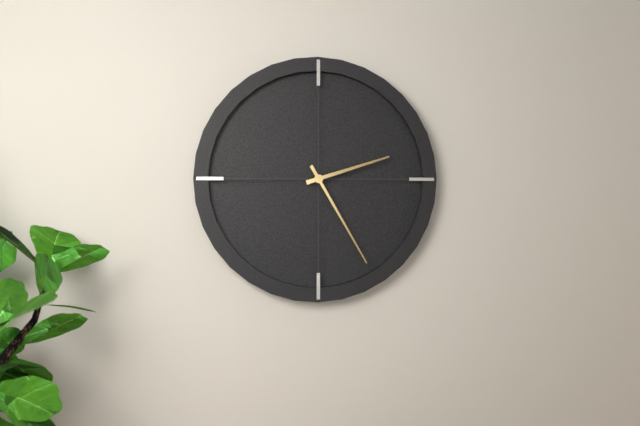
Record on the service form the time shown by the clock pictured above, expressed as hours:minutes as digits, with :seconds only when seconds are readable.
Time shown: 2:25
